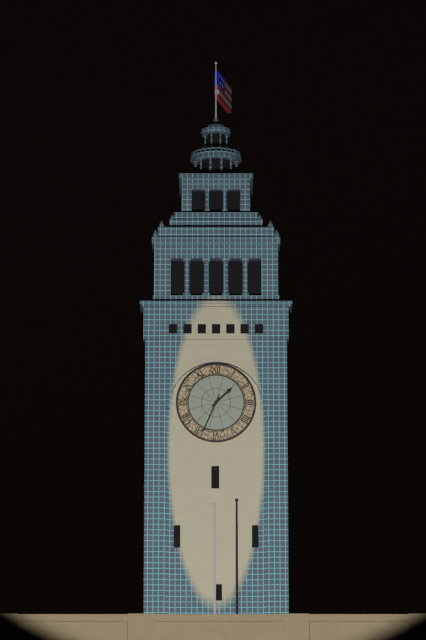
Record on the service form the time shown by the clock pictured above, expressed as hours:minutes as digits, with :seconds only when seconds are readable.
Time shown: 1:34
